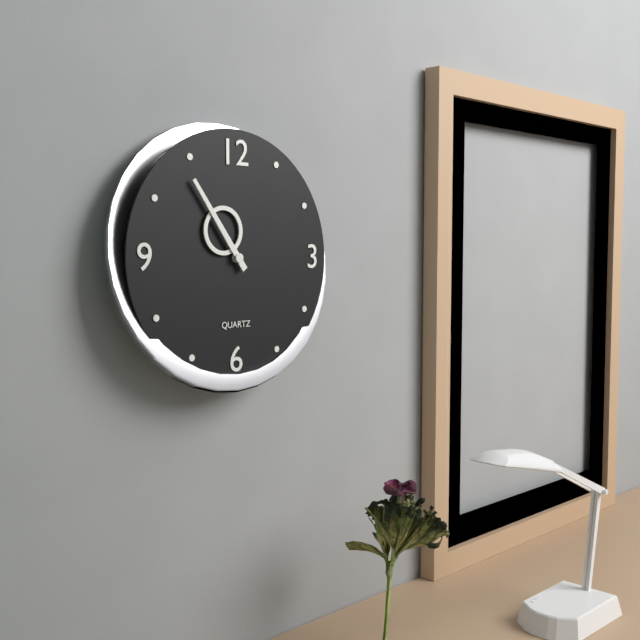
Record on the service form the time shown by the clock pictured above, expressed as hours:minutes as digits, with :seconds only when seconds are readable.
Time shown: 10:54
